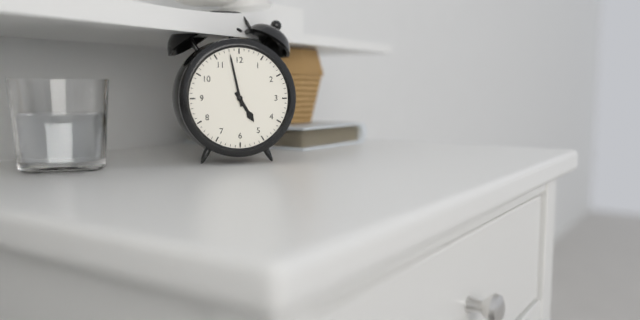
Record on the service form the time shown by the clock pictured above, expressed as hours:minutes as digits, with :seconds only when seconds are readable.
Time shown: 4:58
